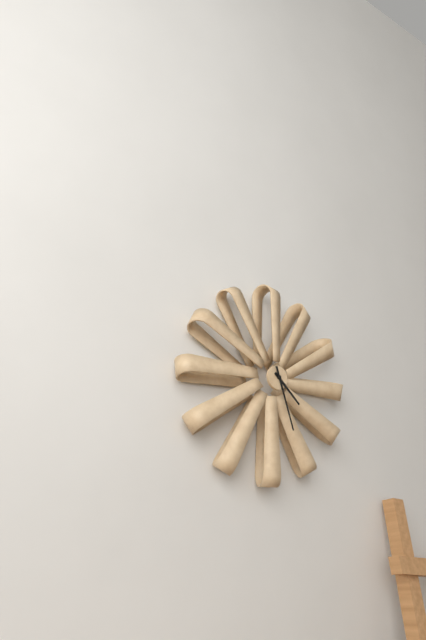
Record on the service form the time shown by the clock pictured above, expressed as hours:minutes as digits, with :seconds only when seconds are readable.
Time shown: 4:27
